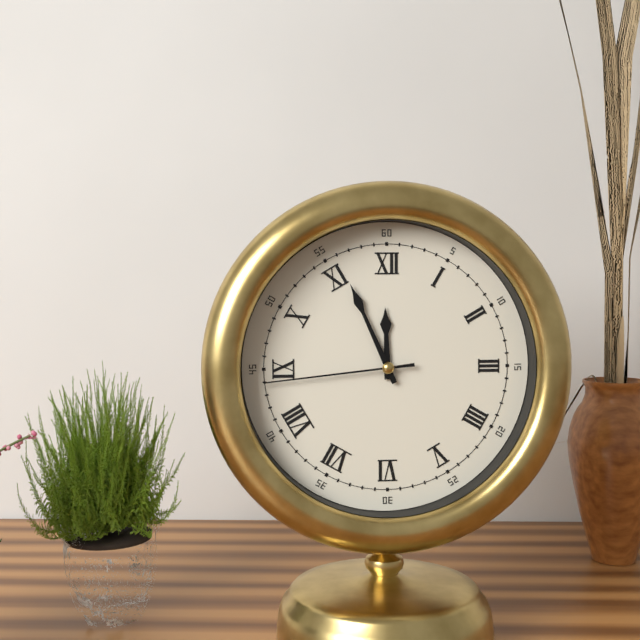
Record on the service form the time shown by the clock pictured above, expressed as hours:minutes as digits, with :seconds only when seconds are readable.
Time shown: 11:56:44
